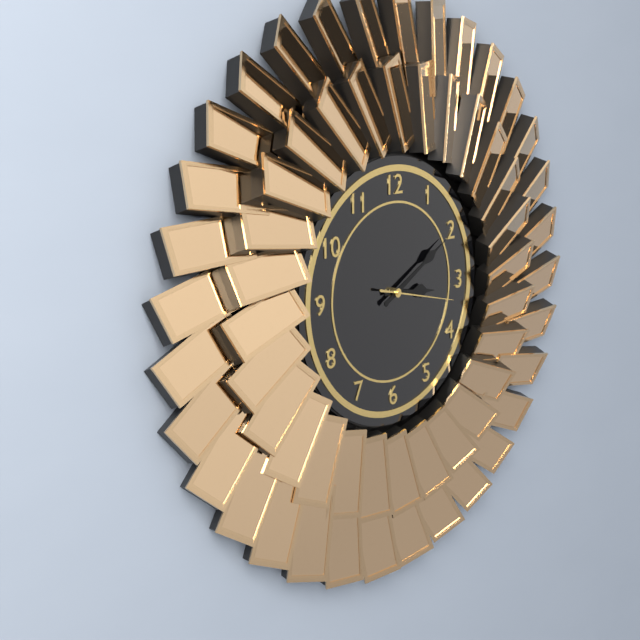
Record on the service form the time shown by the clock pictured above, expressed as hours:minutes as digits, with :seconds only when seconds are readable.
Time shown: 3:10:17
